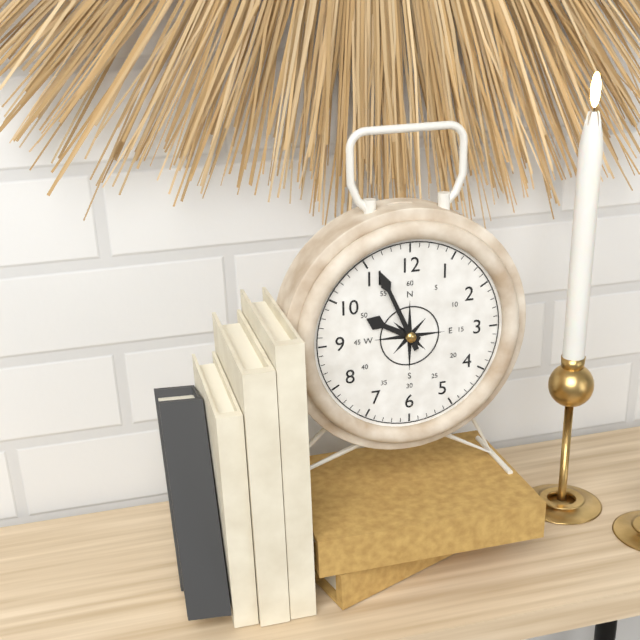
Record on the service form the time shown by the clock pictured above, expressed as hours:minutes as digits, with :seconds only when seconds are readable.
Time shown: 9:56
